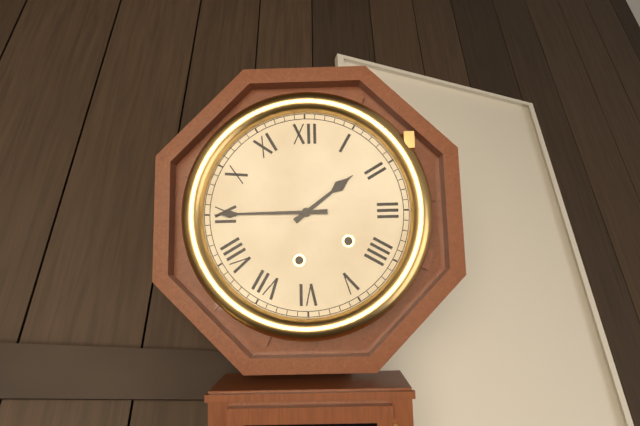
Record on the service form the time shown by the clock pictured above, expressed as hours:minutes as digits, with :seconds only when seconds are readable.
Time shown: 1:45
